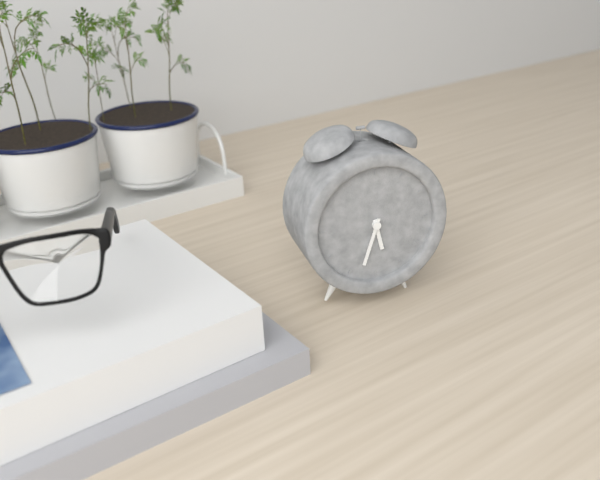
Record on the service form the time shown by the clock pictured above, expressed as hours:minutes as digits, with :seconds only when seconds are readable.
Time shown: 5:33
